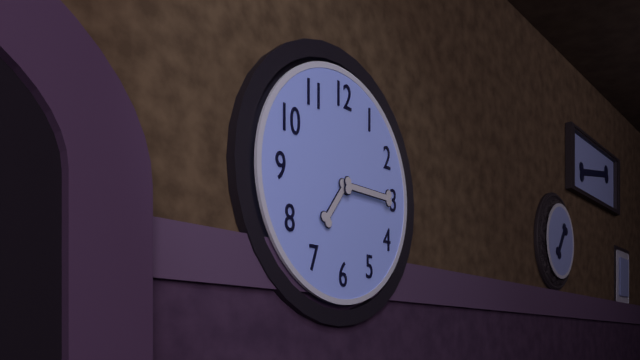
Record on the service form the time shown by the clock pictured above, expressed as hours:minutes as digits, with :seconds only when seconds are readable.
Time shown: 7:15
